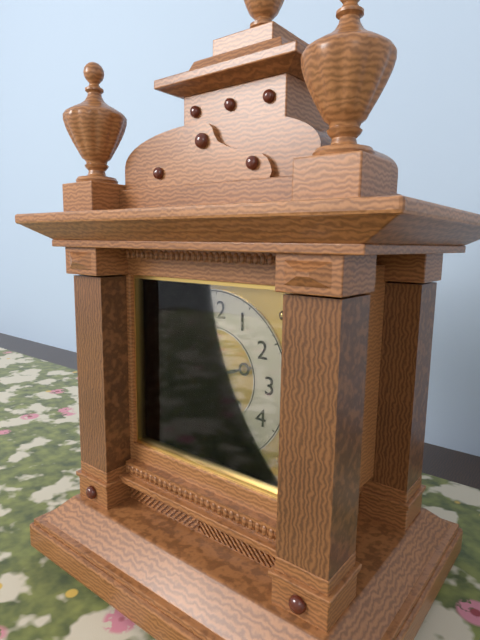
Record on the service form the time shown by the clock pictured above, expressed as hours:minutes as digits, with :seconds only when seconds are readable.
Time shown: 2:23
